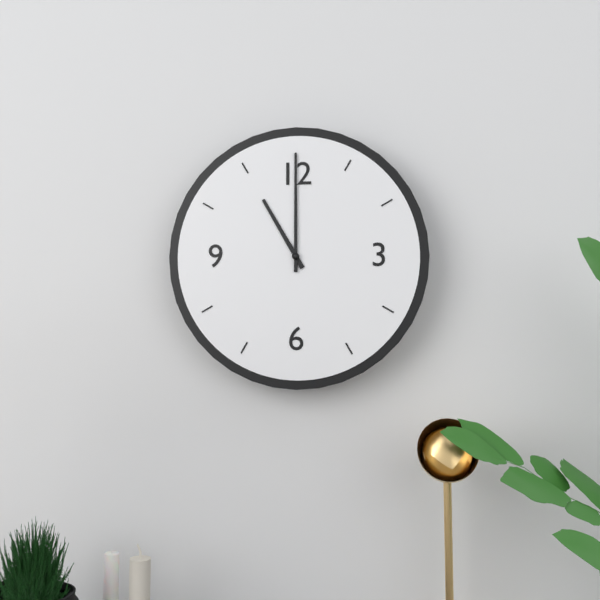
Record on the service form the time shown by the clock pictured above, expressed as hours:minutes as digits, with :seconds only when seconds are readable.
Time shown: 11:00
